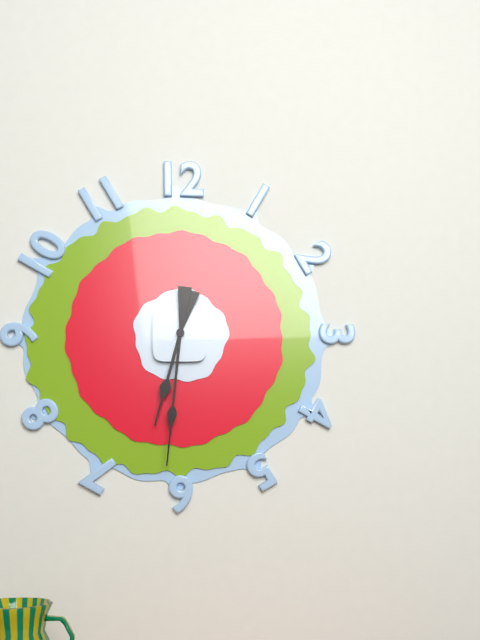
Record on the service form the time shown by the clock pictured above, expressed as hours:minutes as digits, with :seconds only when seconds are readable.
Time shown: 6:31
